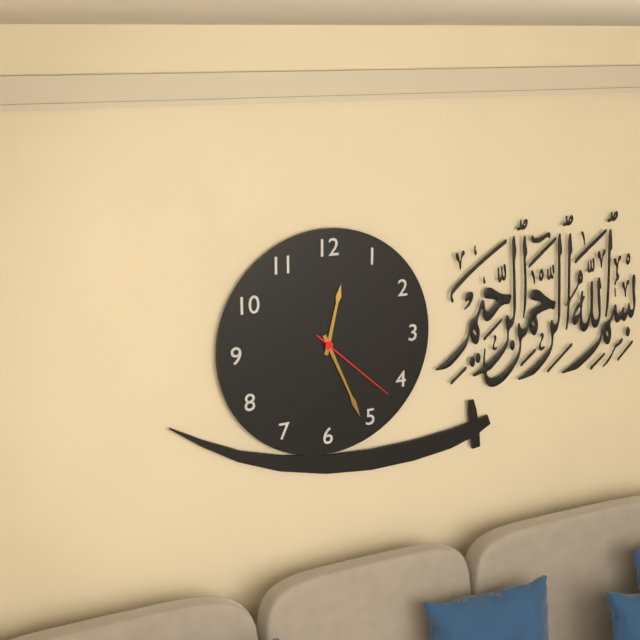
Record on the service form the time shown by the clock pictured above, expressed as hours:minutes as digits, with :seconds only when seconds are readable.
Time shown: 12:26:22
